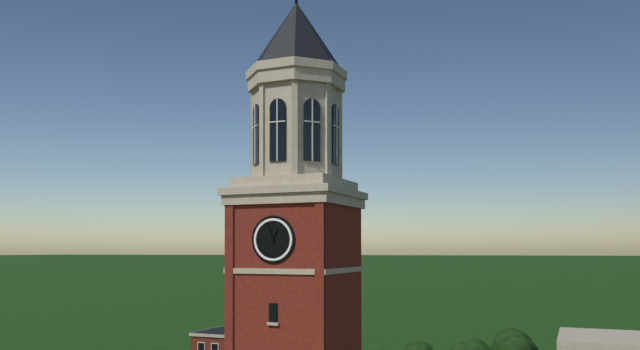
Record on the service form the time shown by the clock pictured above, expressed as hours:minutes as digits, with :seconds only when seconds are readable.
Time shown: 12:57
